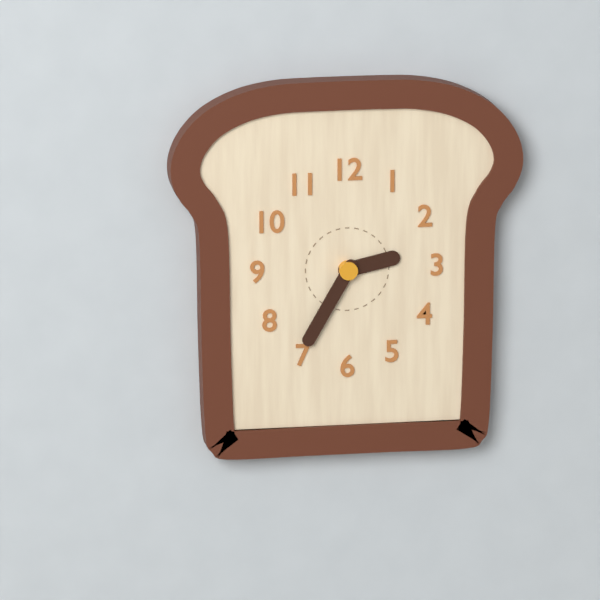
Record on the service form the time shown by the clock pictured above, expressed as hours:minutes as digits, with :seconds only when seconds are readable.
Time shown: 2:35
